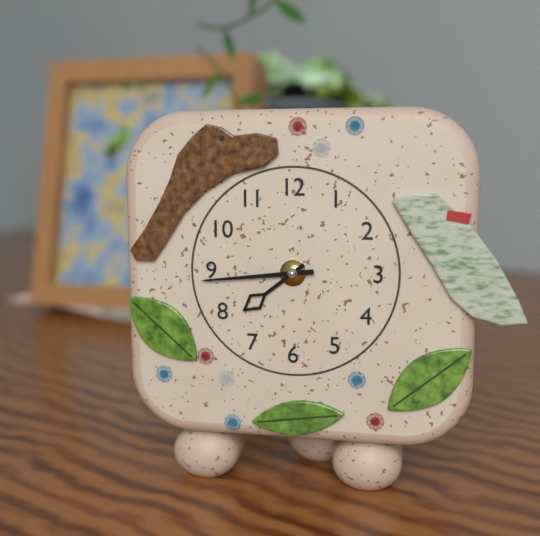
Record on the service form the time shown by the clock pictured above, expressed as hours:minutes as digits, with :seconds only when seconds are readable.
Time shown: 7:44
